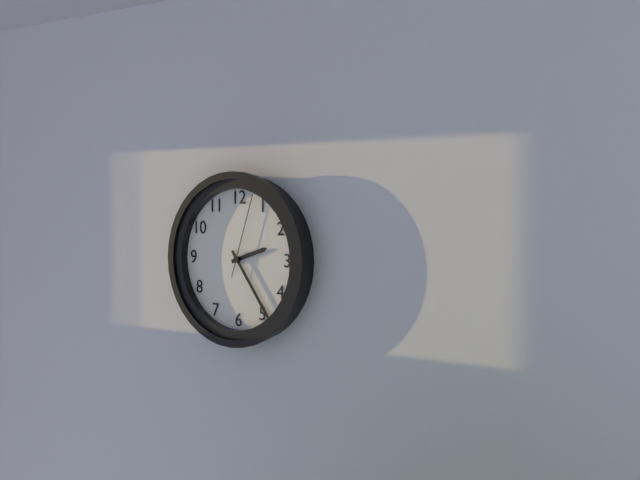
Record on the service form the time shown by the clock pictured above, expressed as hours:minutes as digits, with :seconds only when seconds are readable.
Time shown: 2:24:03
